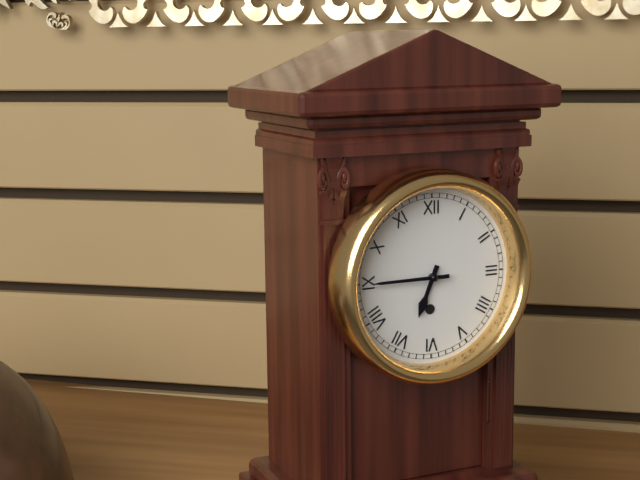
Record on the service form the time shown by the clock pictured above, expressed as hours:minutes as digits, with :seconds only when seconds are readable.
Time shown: 6:45
